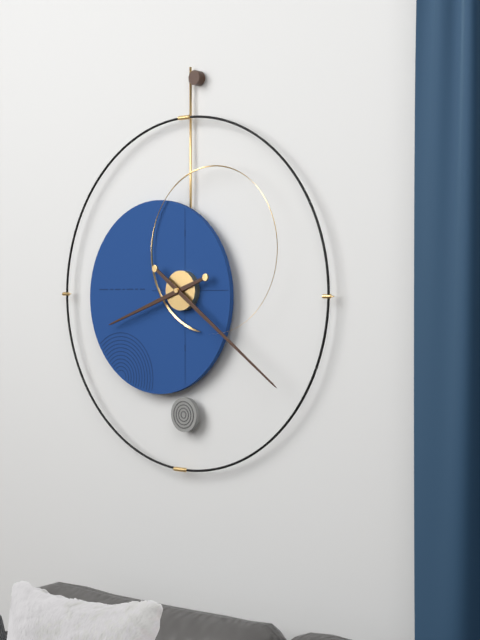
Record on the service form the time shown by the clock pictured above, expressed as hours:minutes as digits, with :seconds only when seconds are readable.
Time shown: 8:21
